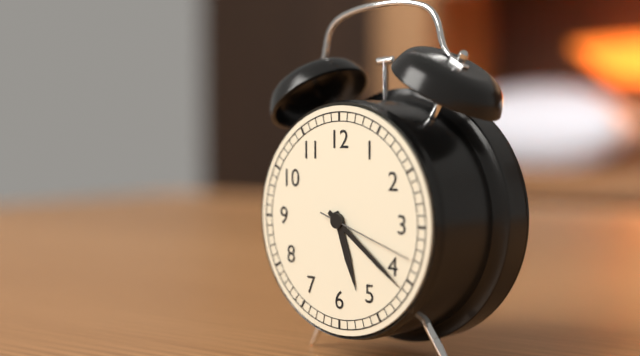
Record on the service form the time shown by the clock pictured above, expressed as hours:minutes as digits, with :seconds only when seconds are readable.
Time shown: 5:21:18
